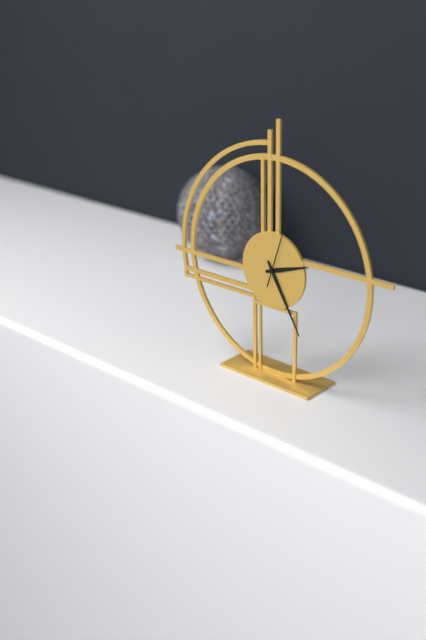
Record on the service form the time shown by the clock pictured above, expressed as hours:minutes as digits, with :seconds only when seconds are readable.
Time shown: 2:25:03
